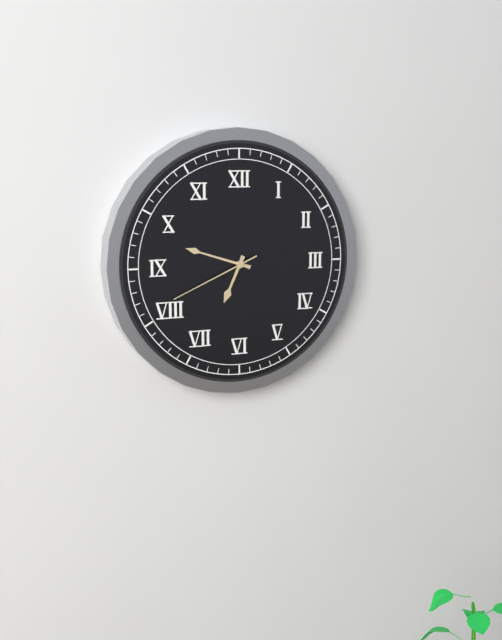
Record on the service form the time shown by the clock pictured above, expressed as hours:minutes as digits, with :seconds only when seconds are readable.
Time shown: 6:48:41
